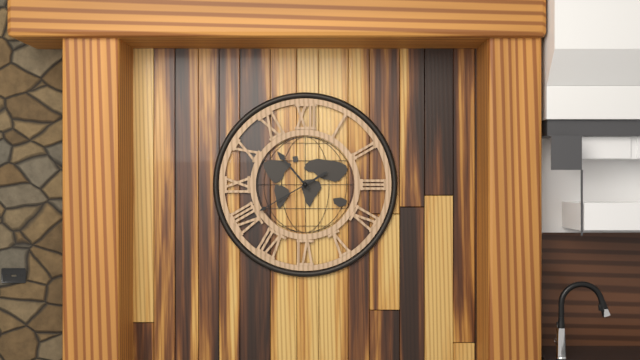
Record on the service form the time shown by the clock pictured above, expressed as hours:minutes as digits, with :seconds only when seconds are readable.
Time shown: 10:40
